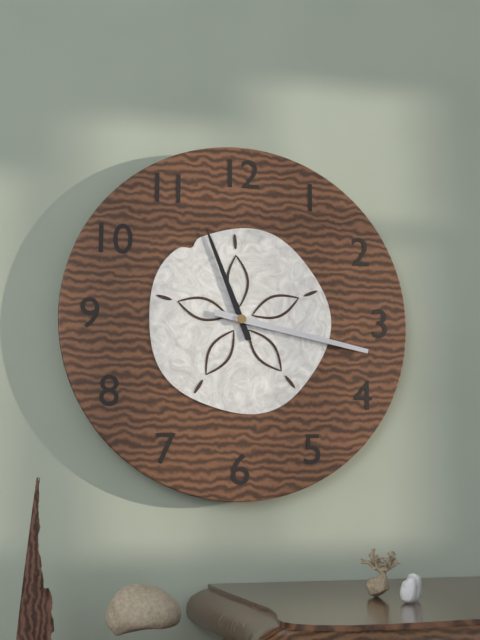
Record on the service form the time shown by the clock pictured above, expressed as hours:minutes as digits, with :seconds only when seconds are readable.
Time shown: 11:17
